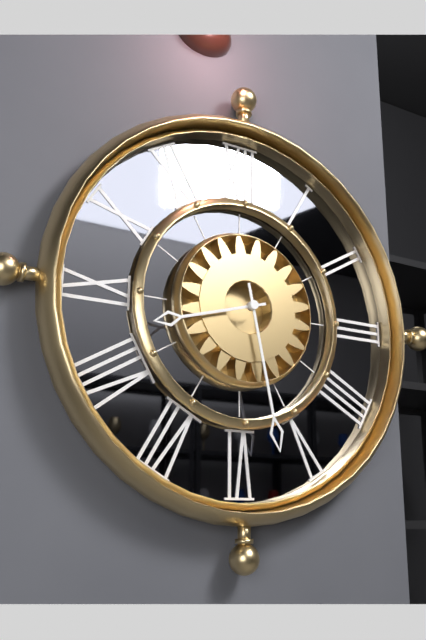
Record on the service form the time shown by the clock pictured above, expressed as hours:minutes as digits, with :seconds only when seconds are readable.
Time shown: 8:28
